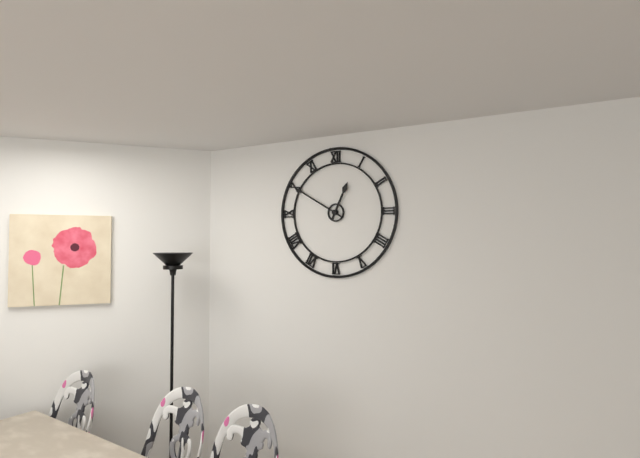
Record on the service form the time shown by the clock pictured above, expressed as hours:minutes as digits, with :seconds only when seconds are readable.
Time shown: 12:50
